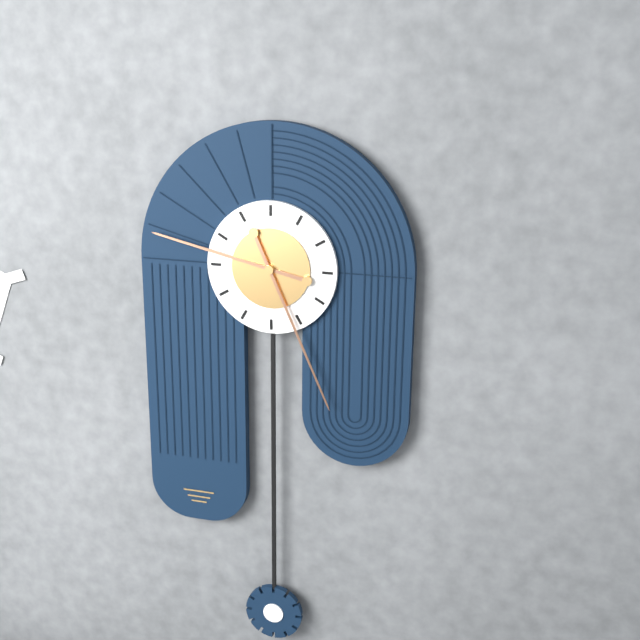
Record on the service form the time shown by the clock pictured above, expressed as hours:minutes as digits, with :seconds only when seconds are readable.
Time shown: 9:26
